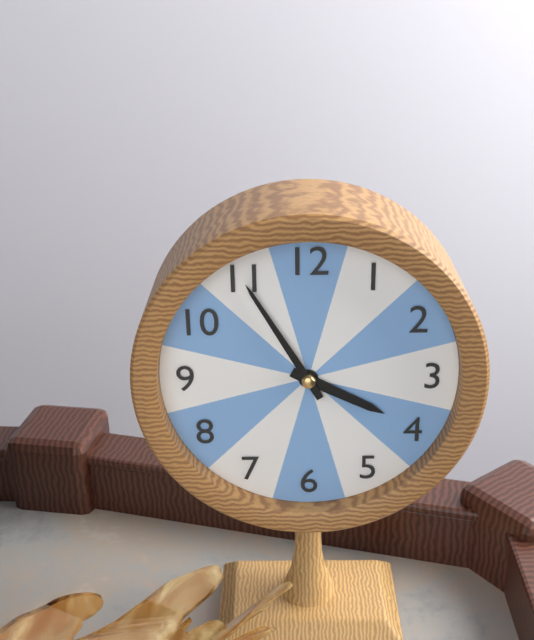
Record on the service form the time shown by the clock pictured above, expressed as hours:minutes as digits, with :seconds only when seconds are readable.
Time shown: 3:55
